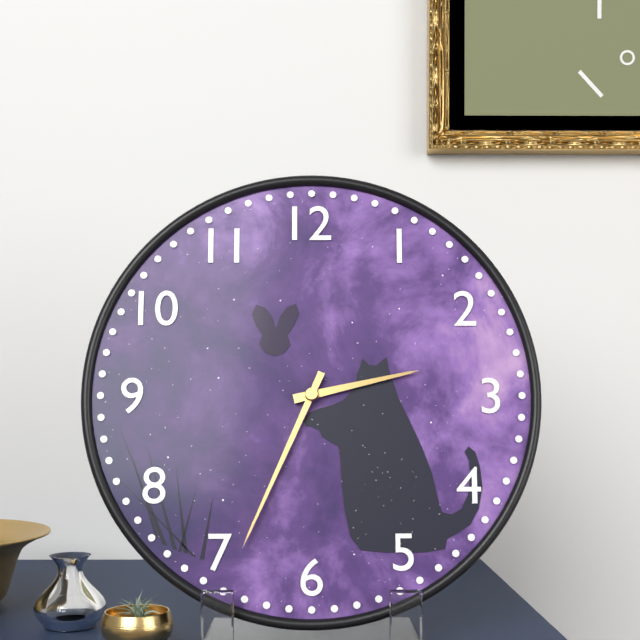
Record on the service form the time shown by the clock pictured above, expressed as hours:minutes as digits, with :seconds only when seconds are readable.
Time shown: 2:34
